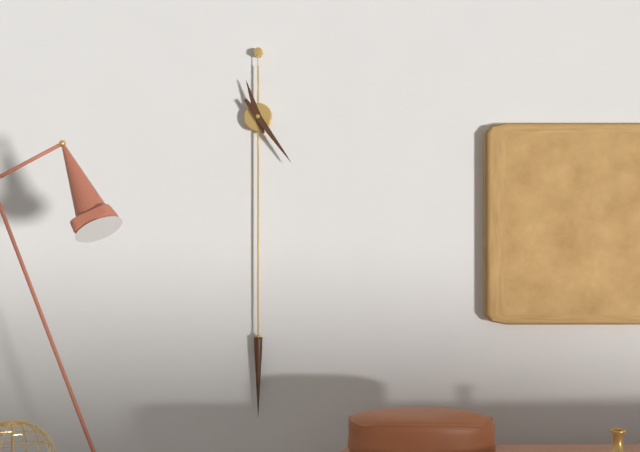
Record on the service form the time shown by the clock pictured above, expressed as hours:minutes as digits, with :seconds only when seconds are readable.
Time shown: 11:24
